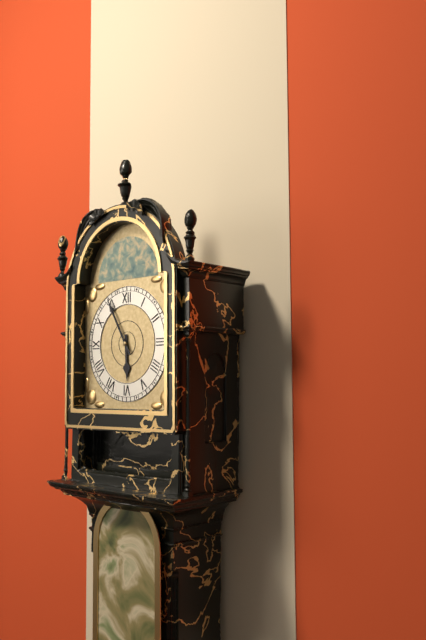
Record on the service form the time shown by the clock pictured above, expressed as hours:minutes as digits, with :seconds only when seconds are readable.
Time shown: 5:55
